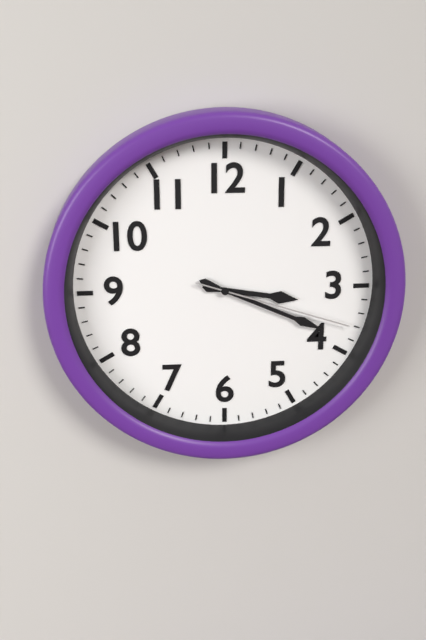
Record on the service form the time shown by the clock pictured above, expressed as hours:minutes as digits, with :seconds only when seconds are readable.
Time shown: 3:19:18
